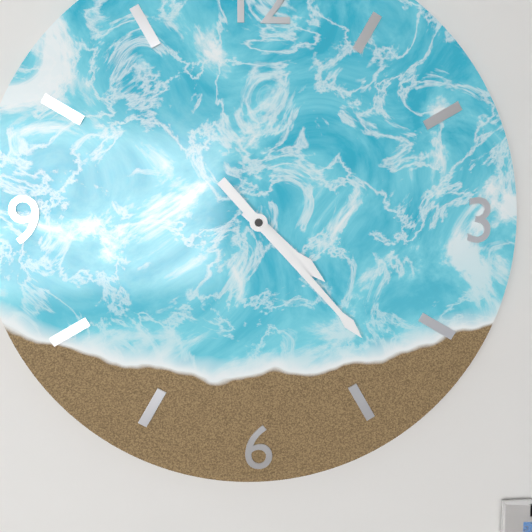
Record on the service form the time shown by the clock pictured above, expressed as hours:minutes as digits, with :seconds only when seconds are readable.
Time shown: 4:23
